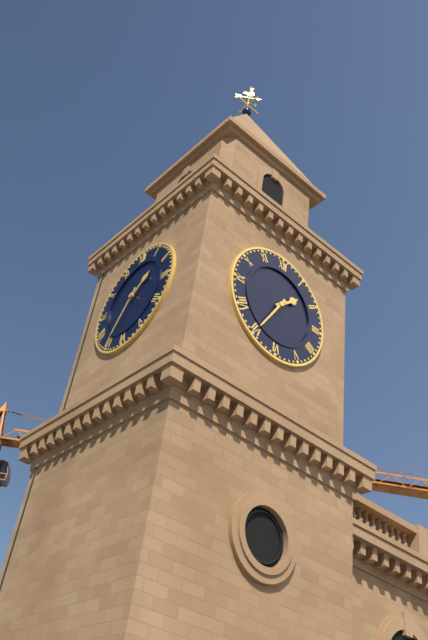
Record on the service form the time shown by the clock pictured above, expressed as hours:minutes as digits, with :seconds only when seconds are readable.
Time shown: 1:35
